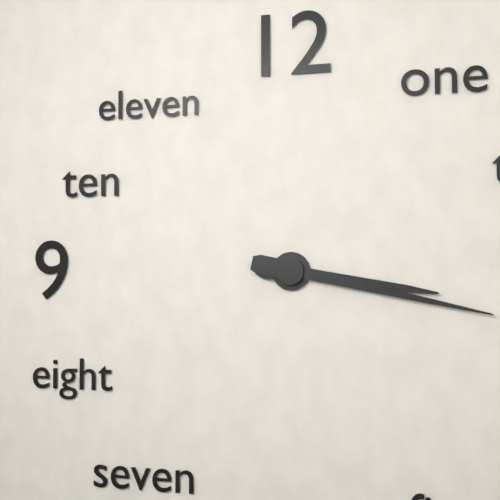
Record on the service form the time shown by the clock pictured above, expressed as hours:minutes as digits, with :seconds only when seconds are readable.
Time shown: 3:17
